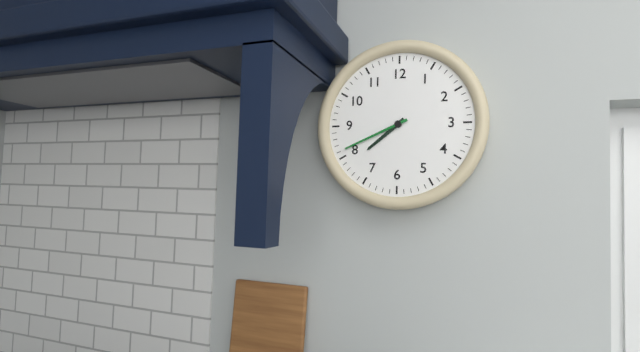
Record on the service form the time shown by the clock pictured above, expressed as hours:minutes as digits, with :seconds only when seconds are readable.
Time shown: 7:41
